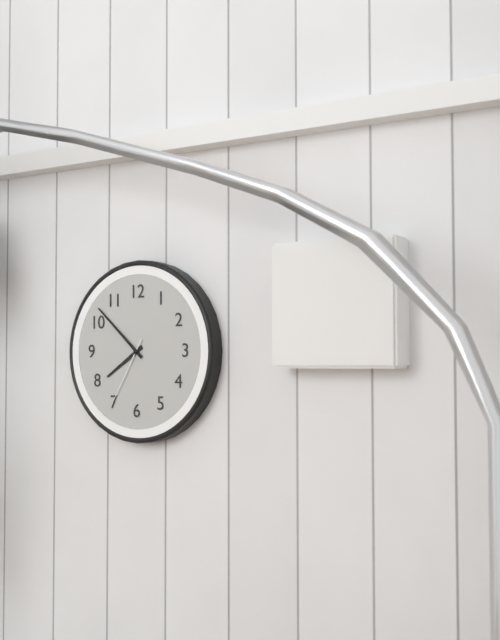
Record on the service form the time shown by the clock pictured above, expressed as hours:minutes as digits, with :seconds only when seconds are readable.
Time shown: 7:52:35
